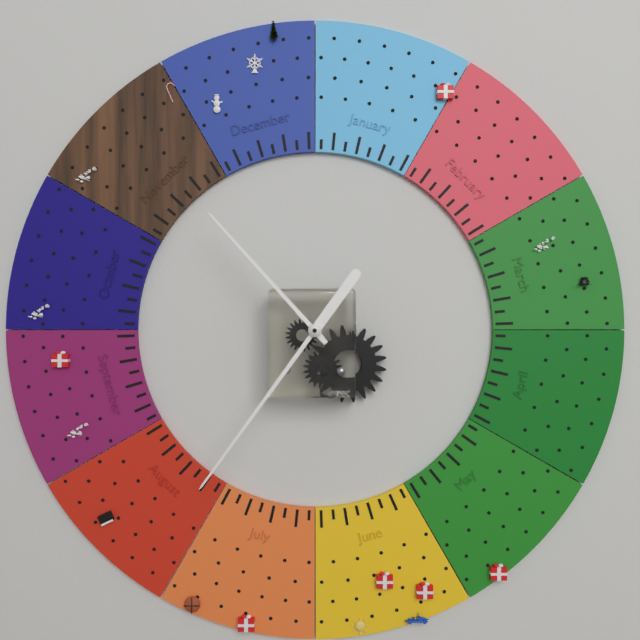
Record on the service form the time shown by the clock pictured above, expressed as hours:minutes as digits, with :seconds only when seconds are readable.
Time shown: 10:36
